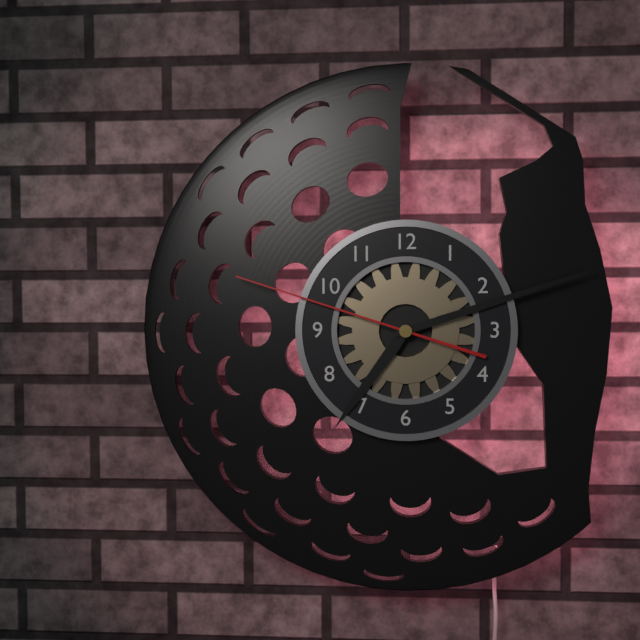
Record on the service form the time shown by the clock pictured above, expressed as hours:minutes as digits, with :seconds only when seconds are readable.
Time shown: 7:12:48
